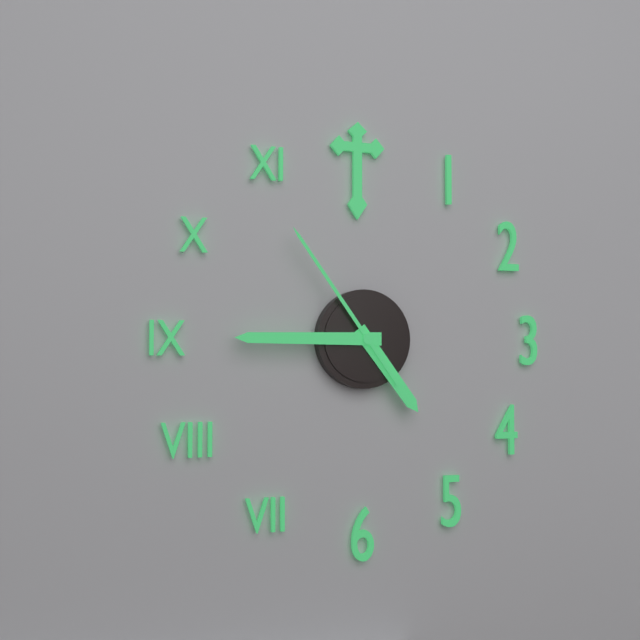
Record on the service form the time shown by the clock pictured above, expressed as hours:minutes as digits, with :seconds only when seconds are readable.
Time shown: 4:45:54
